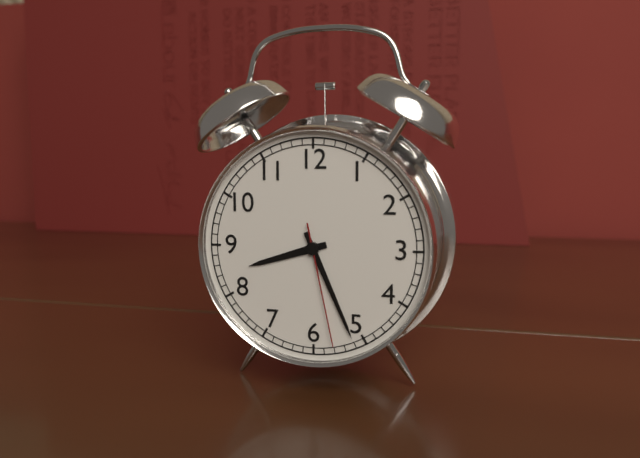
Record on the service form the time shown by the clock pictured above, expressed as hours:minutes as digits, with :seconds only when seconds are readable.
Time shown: 8:26:28
